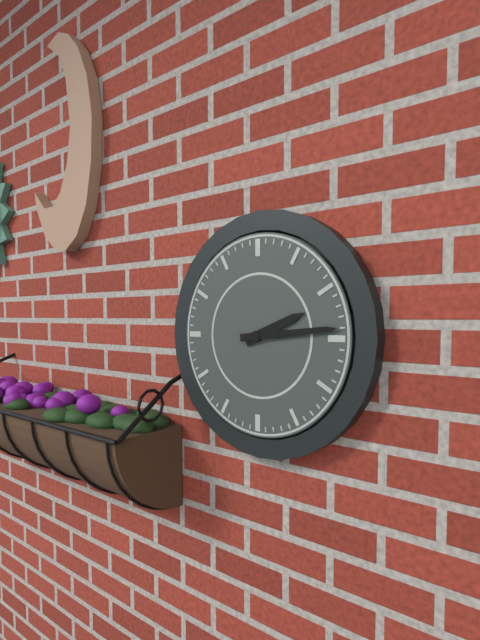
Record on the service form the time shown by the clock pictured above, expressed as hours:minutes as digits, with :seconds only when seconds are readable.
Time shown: 2:14
